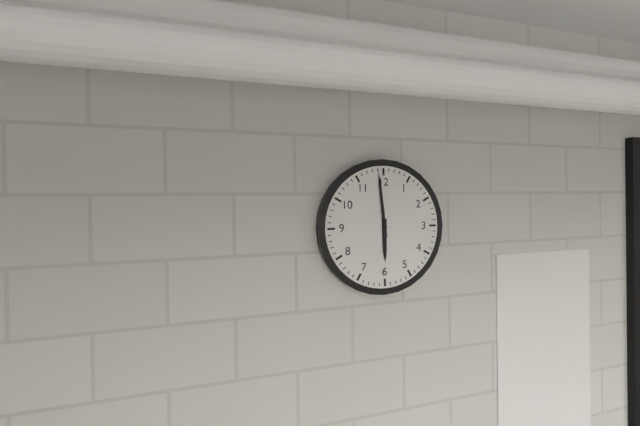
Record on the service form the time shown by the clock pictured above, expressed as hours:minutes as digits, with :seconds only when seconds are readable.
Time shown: 5:59
